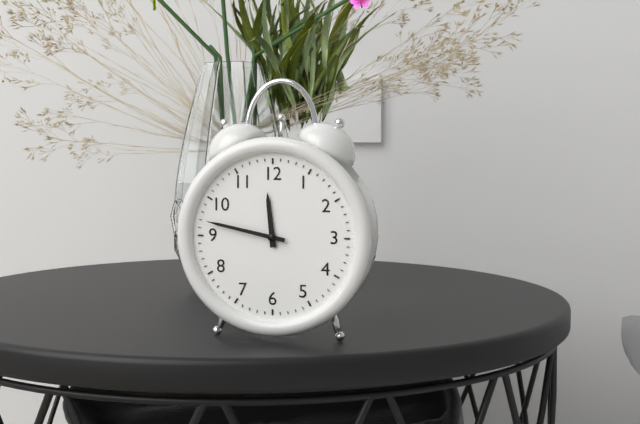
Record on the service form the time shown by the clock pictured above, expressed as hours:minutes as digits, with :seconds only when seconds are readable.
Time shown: 11:47
